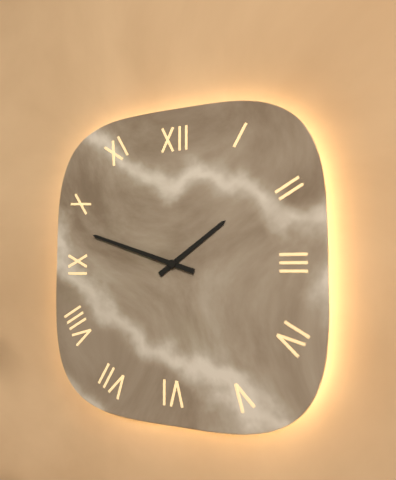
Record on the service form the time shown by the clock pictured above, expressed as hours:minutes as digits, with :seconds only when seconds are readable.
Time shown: 1:48
